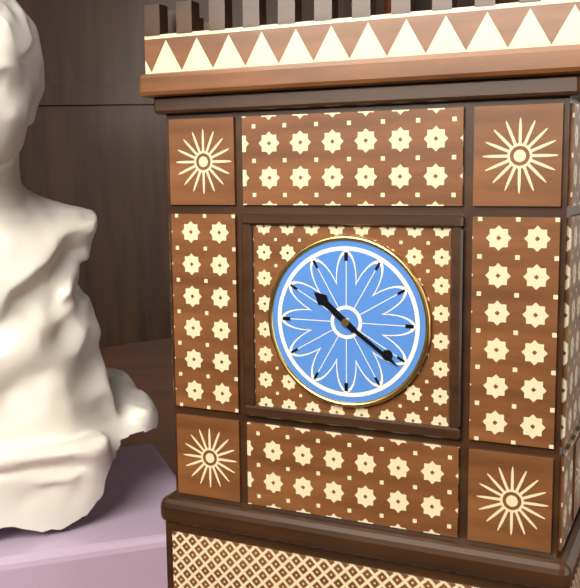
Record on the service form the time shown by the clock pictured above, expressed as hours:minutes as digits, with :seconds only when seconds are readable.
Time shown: 10:21
